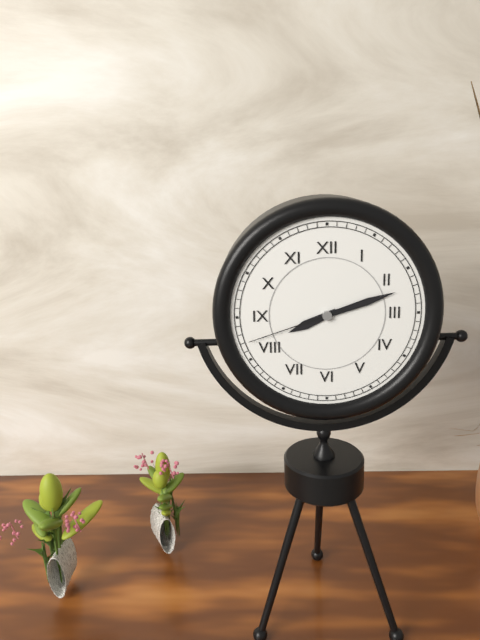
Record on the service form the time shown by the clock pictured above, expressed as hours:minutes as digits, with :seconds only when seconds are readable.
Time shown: 8:12:42
